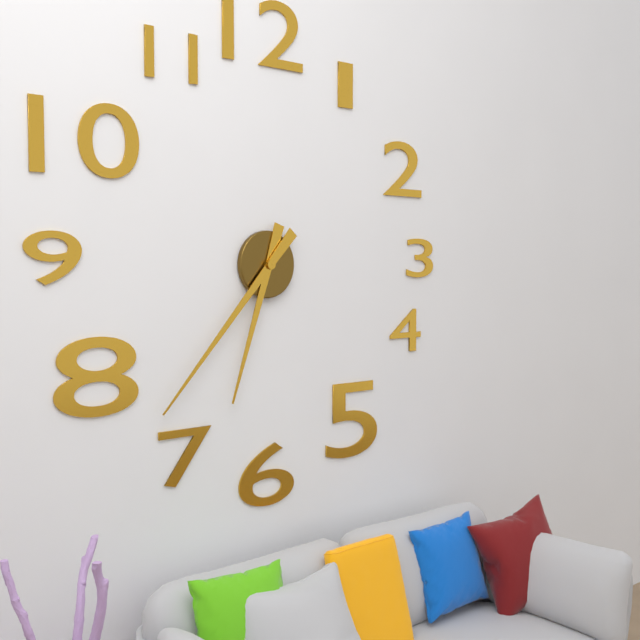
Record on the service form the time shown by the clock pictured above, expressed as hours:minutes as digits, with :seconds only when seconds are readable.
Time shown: 6:37
